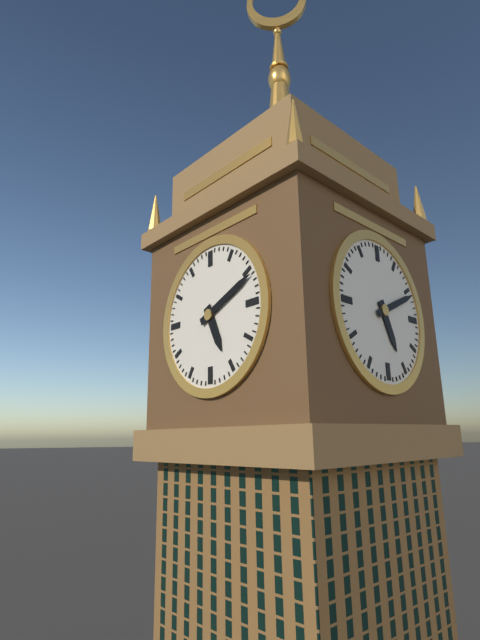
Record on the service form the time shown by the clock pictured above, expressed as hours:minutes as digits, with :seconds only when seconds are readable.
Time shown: 5:11
